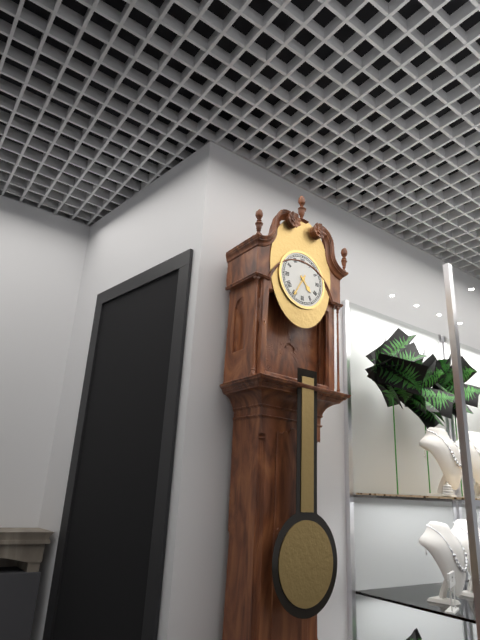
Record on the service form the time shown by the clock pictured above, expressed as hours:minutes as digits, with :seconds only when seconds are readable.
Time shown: 4:35
